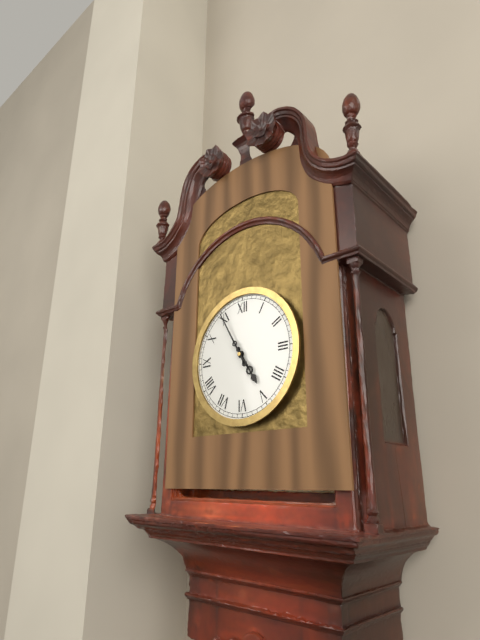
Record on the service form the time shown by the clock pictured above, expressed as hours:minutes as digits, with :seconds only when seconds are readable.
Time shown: 4:55
